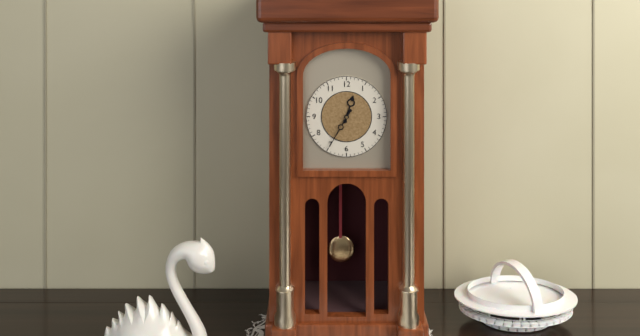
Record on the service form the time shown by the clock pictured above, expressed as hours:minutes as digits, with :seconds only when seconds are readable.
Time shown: 12:35
